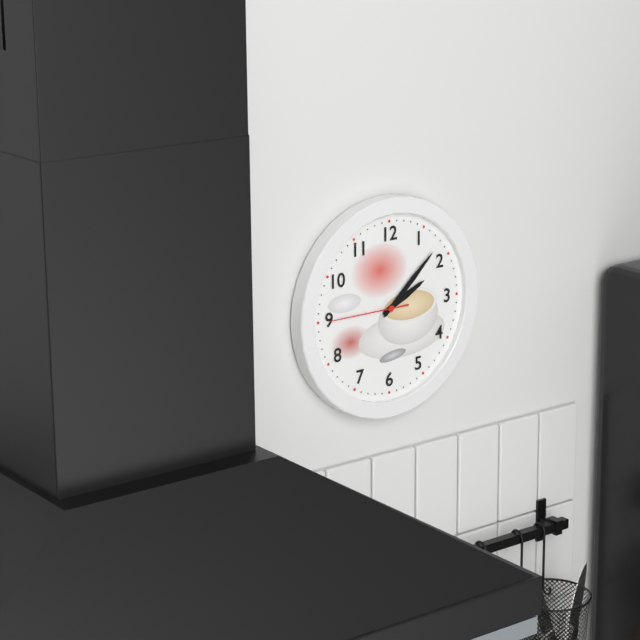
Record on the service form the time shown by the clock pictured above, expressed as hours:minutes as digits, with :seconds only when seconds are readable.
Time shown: 2:08:45
